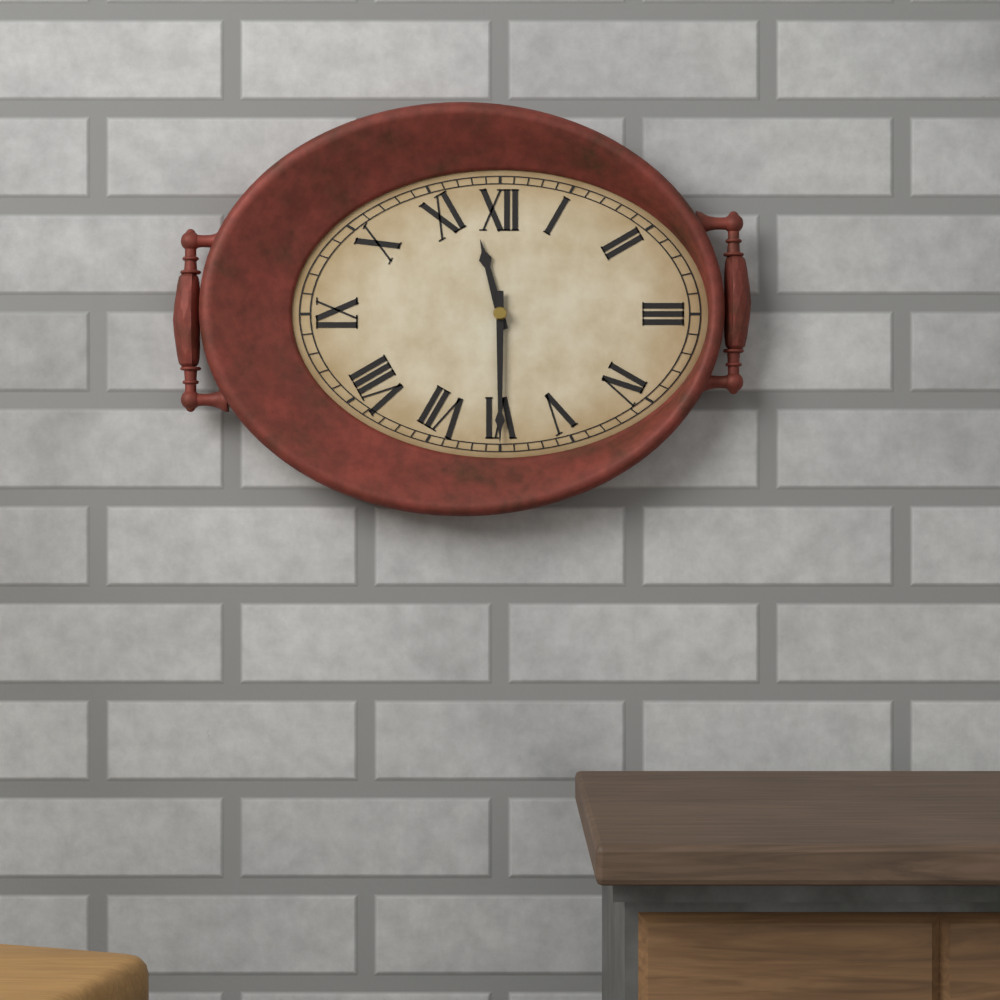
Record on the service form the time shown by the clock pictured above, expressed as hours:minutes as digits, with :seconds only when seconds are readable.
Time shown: 11:30
